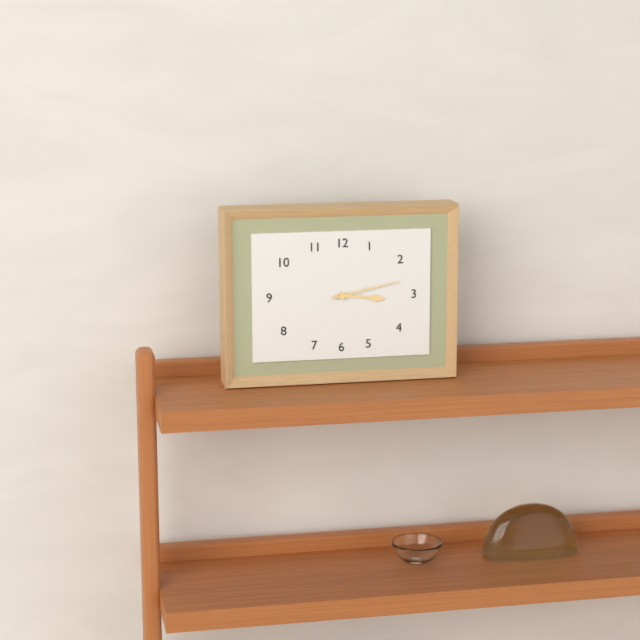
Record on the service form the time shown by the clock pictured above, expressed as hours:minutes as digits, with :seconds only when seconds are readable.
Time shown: 3:13
